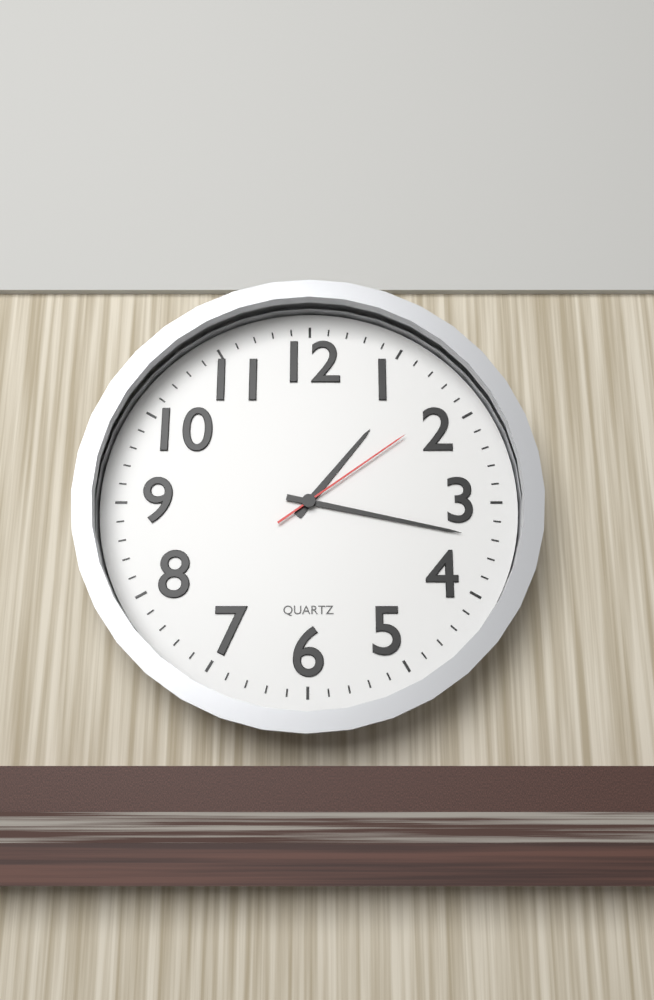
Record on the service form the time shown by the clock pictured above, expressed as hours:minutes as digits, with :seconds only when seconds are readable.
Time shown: 1:17:09
